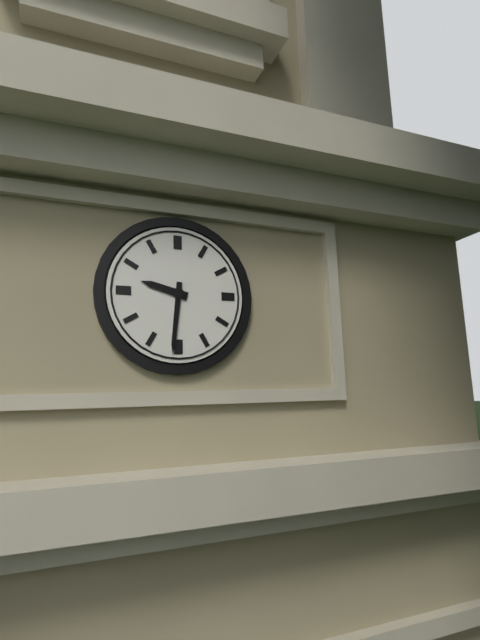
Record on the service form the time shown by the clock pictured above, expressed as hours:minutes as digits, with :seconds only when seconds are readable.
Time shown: 9:31
